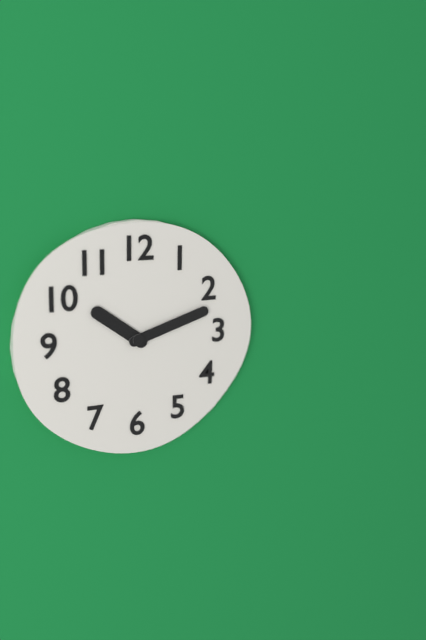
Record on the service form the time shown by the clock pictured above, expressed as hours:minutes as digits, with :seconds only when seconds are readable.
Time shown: 10:12
